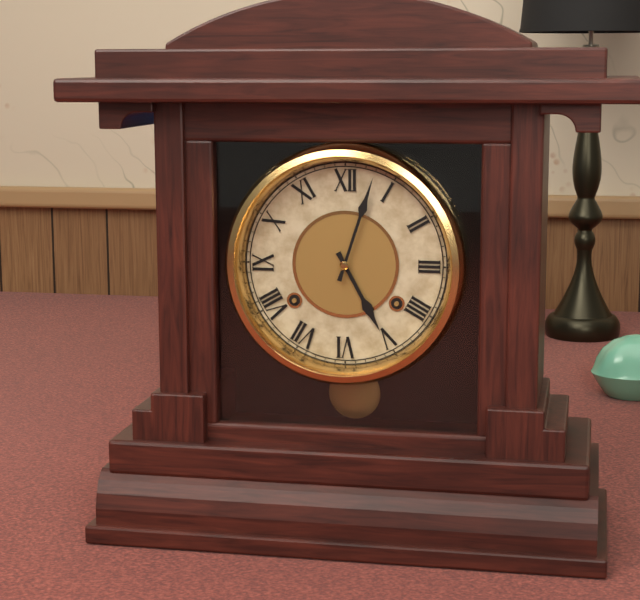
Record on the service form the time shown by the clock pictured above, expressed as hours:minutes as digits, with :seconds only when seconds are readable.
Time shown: 5:03
